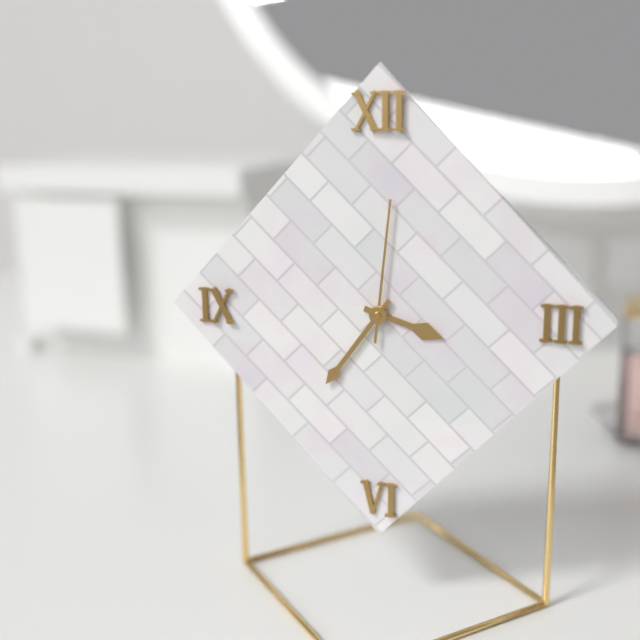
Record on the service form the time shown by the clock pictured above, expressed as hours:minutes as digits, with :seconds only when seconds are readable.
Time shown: 3:36:01
